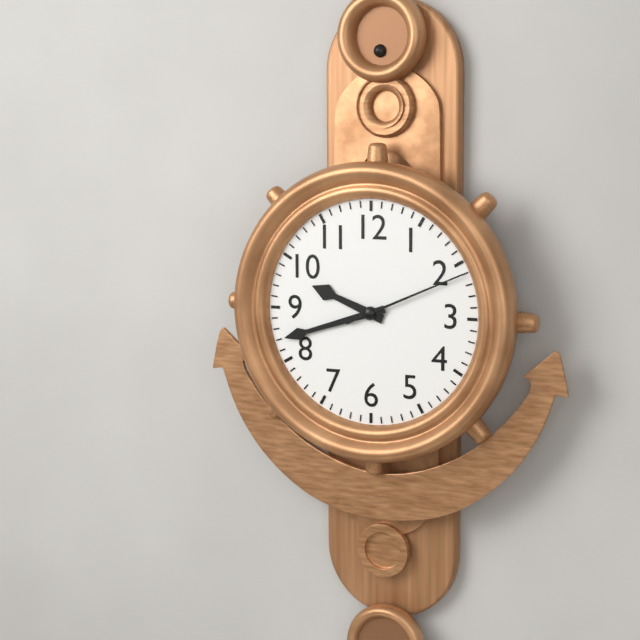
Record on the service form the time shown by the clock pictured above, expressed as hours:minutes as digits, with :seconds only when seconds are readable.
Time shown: 9:42:11
